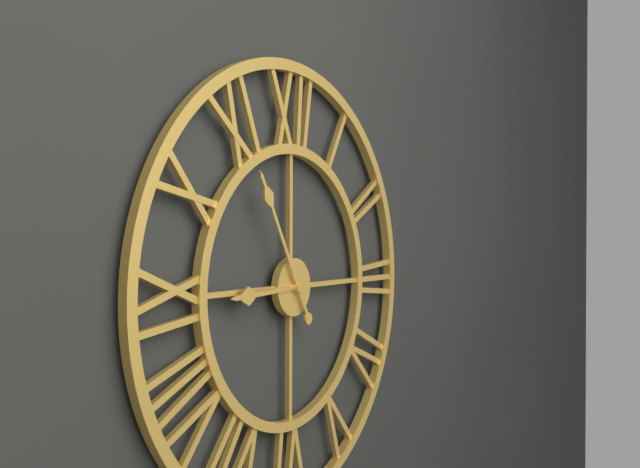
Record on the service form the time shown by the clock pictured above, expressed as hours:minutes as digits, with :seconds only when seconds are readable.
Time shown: 8:55
